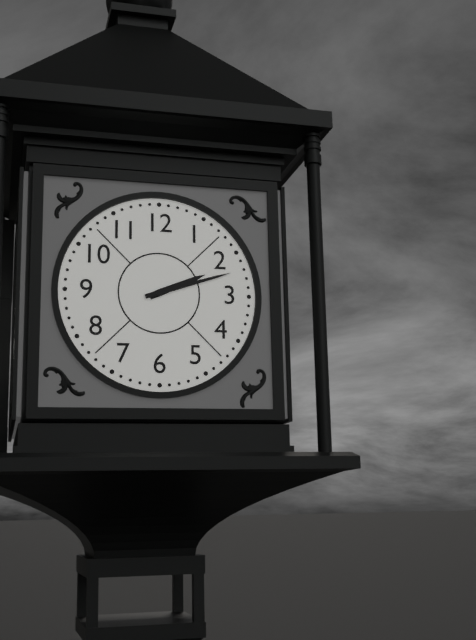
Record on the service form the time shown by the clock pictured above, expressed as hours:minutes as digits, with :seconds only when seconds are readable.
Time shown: 2:12
